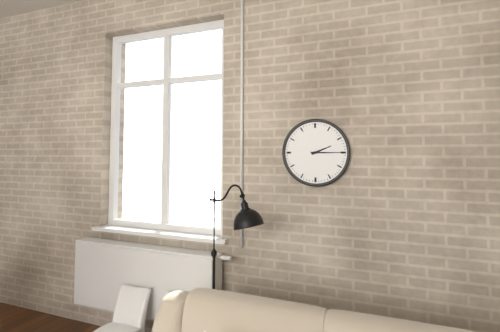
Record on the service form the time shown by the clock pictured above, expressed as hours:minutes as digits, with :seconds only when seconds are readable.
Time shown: 2:15
